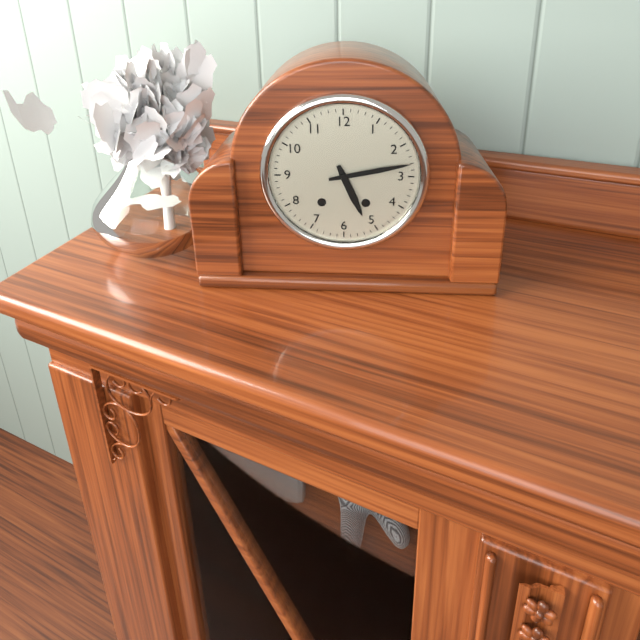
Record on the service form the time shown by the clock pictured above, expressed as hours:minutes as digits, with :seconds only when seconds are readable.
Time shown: 5:13
